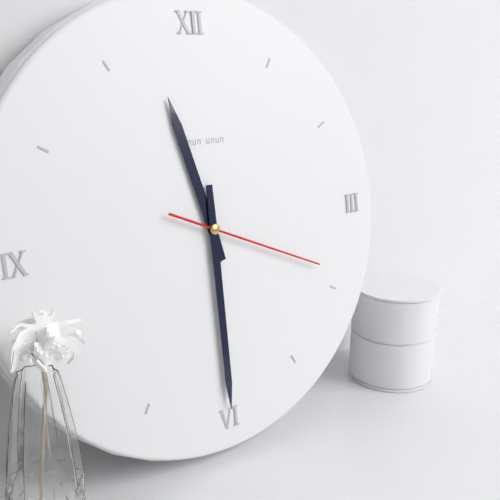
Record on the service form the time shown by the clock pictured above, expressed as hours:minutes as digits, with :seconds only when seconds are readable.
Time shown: 11:30:19
